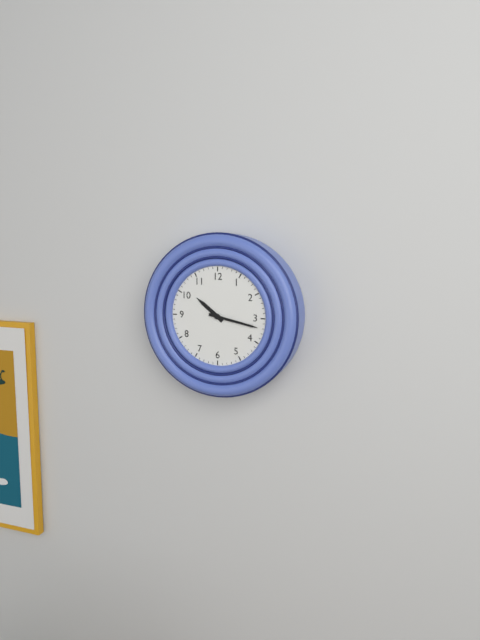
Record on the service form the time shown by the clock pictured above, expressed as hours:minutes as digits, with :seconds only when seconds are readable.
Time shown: 10:17
